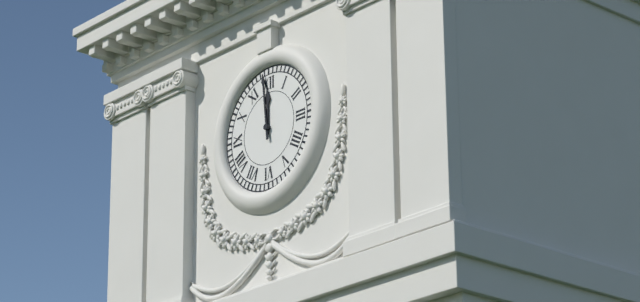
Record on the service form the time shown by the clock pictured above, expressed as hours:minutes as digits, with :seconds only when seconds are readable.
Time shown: 11:59
